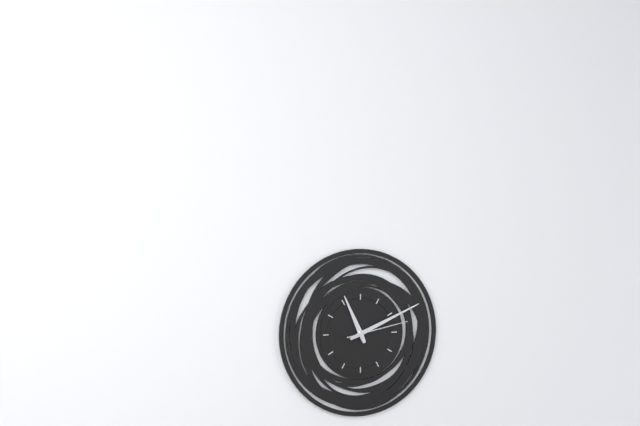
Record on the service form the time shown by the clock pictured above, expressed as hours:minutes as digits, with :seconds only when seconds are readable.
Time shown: 11:11:13
